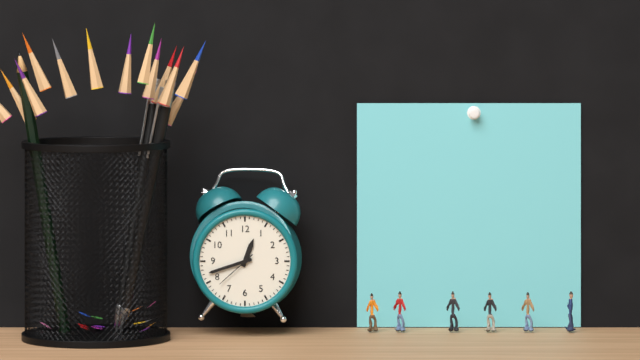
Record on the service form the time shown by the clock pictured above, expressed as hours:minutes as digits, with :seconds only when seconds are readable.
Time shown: 12:42
